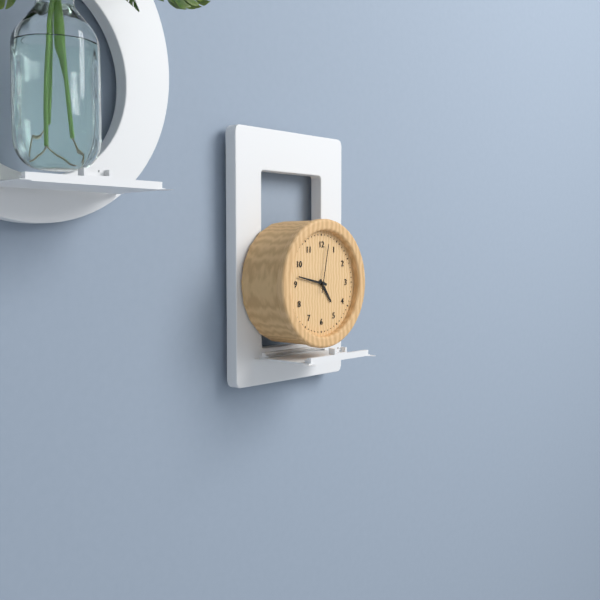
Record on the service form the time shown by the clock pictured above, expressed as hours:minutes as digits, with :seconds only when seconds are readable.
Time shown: 4:47
